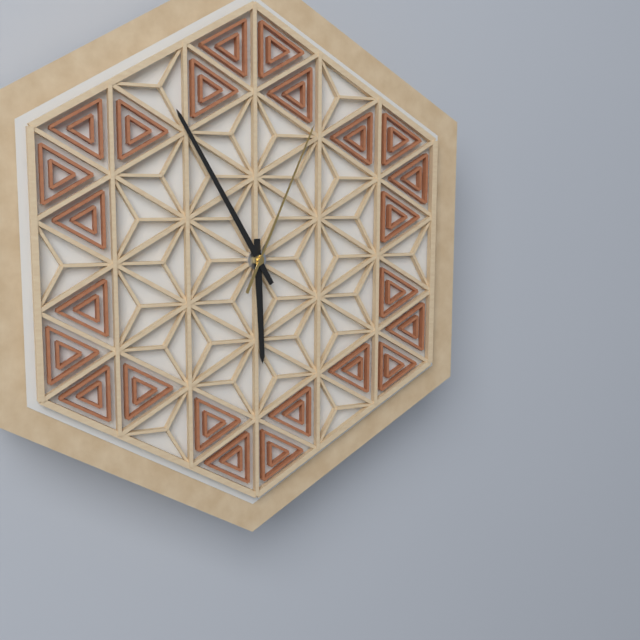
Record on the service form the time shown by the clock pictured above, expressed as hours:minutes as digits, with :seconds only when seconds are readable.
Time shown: 5:55:04
